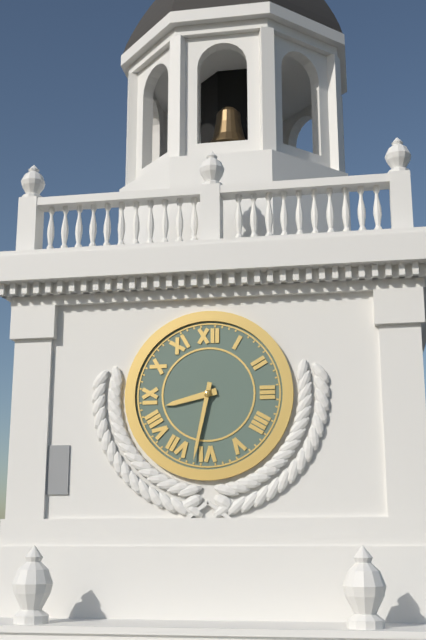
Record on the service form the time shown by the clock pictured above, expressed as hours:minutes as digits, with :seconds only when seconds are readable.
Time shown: 8:32
